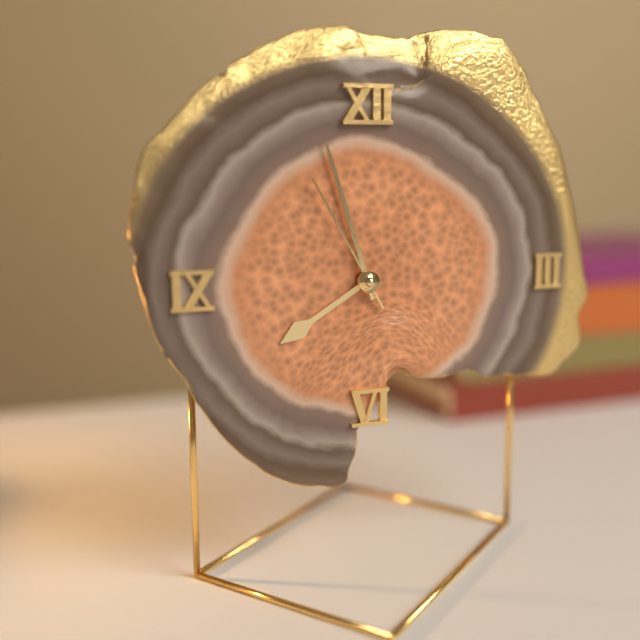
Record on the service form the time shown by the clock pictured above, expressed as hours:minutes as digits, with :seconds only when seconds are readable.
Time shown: 7:57:55
